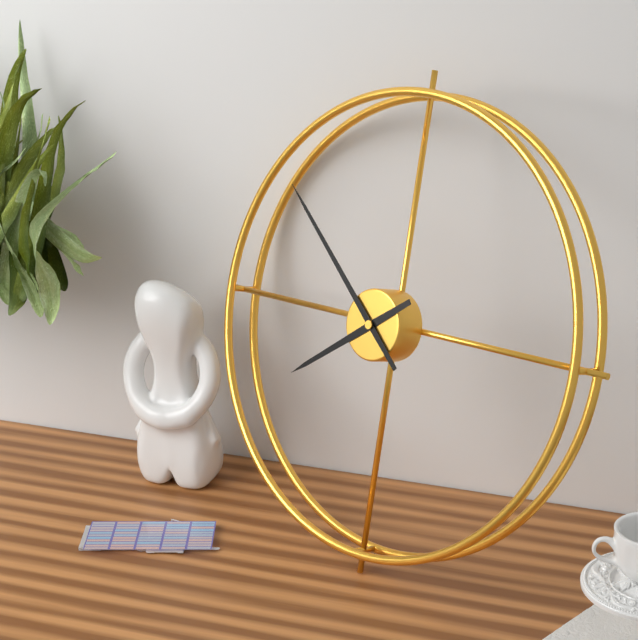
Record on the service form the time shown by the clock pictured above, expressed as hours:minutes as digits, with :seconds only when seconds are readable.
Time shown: 7:52
